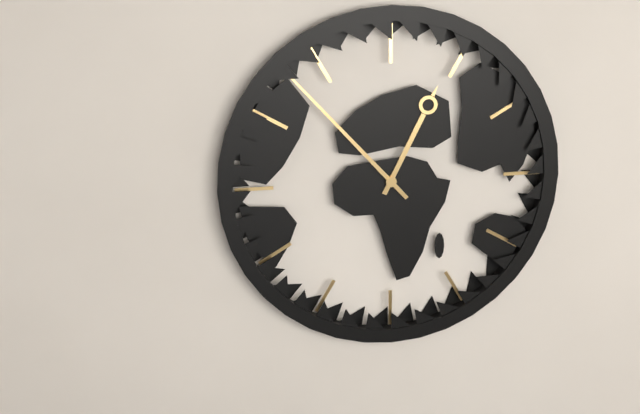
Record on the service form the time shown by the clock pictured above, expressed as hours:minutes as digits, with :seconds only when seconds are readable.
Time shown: 12:53
